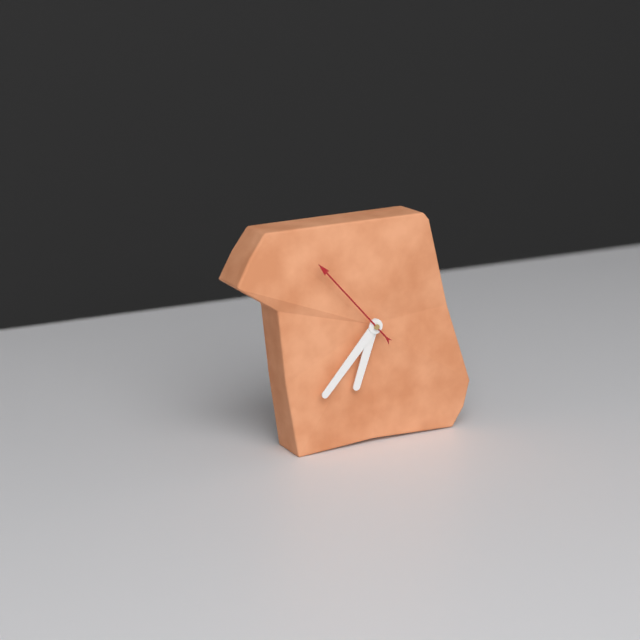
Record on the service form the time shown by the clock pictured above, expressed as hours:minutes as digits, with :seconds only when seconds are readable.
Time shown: 6:37:53
